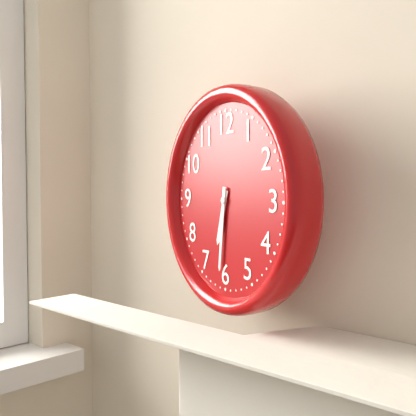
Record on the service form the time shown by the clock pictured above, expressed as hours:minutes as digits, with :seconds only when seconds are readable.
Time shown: 6:31
